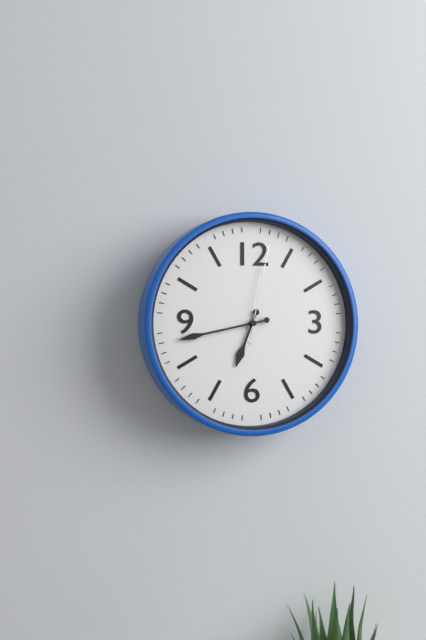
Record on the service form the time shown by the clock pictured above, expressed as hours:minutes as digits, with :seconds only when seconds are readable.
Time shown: 6:43:02
